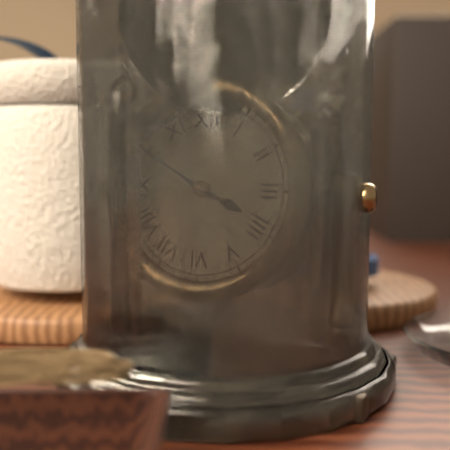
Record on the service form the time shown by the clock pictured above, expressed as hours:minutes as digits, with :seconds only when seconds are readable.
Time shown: 3:50
